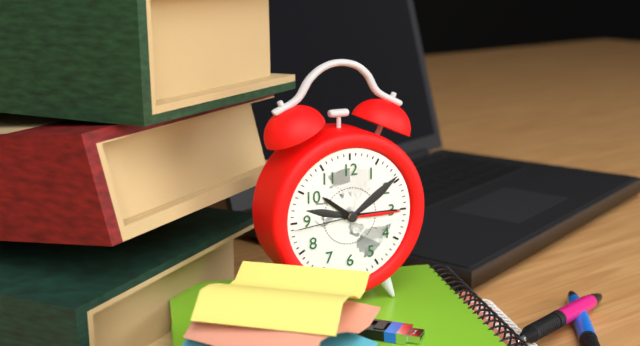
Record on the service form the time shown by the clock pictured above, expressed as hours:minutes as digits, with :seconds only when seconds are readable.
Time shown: 10:15:44
